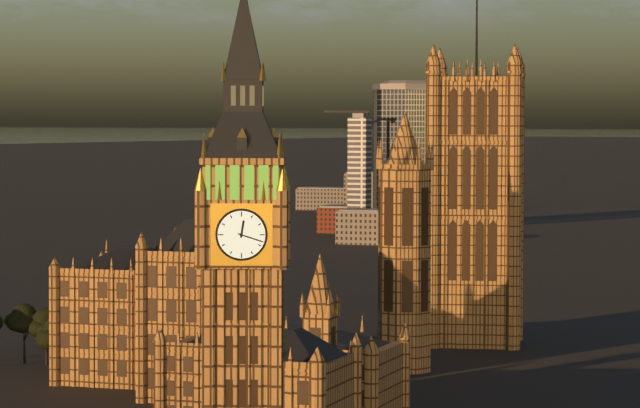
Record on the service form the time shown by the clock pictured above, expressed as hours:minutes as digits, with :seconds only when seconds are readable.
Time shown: 12:18
